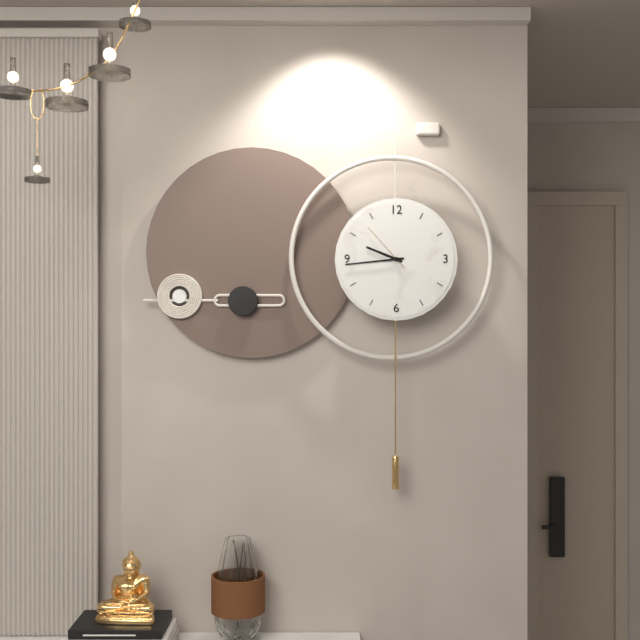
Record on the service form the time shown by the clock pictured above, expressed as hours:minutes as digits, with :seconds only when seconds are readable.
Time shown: 9:44:53
